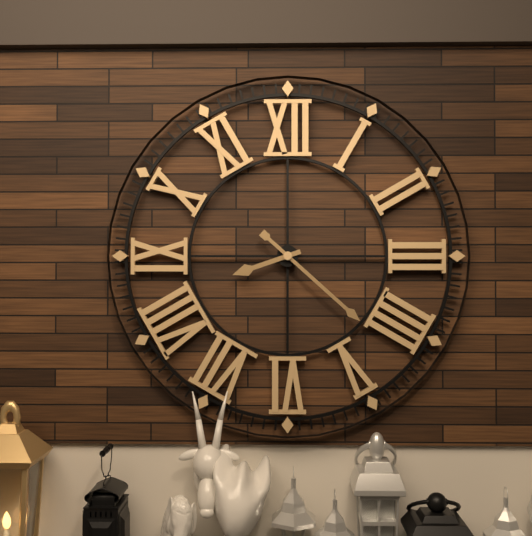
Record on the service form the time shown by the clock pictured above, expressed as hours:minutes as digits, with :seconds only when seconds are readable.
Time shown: 8:22
